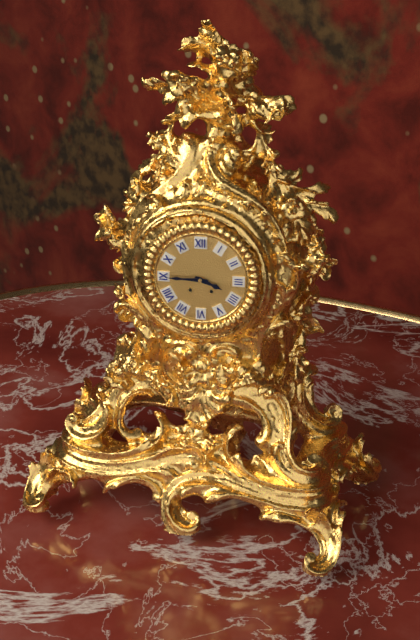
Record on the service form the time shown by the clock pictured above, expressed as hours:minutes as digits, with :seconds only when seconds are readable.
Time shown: 3:45
